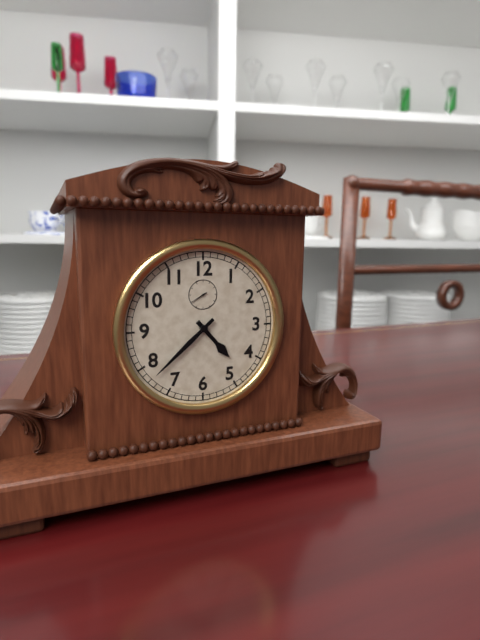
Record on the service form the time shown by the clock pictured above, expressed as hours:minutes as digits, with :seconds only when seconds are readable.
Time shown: 4:38
